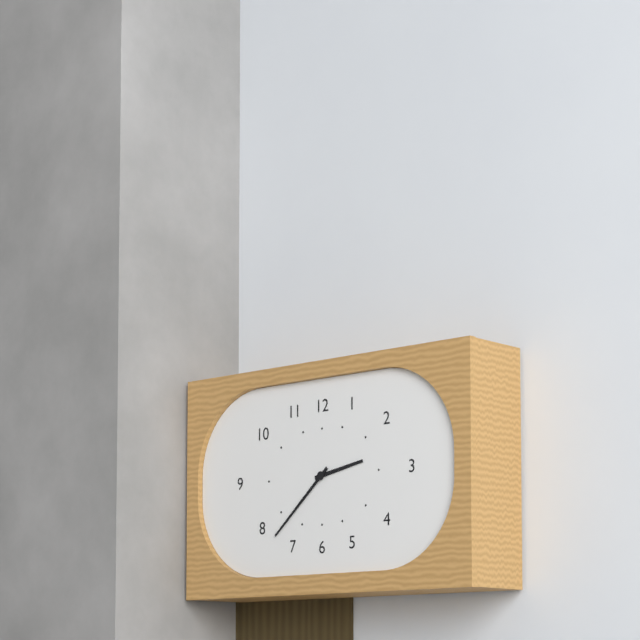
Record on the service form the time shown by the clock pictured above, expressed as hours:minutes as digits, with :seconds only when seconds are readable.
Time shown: 2:38
